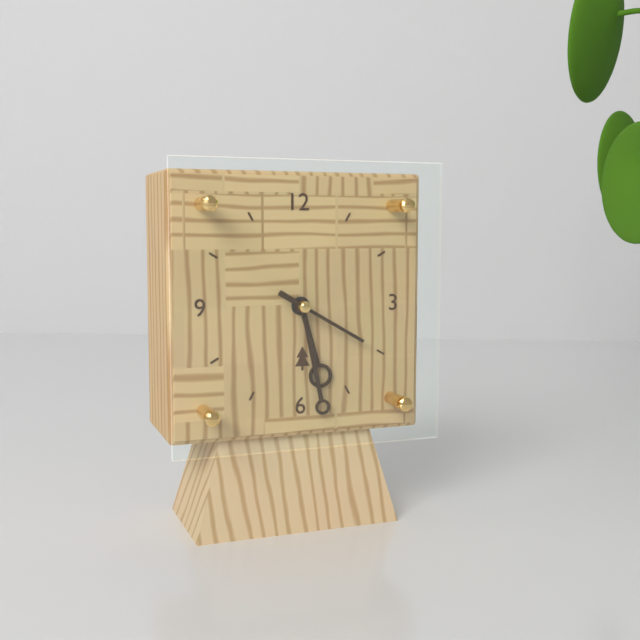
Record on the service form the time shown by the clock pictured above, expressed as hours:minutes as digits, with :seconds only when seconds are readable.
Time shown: 5:28:20
